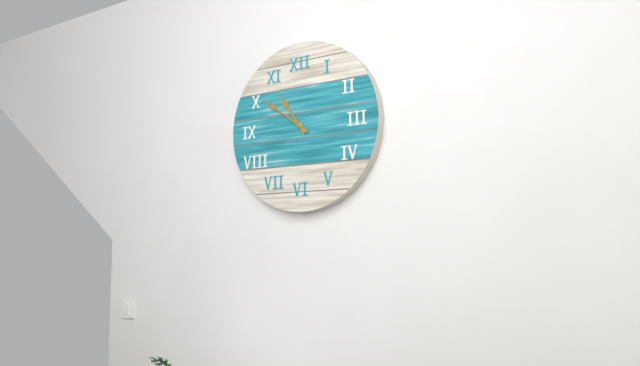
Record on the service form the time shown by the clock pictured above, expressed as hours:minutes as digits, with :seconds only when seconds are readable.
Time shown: 10:51
